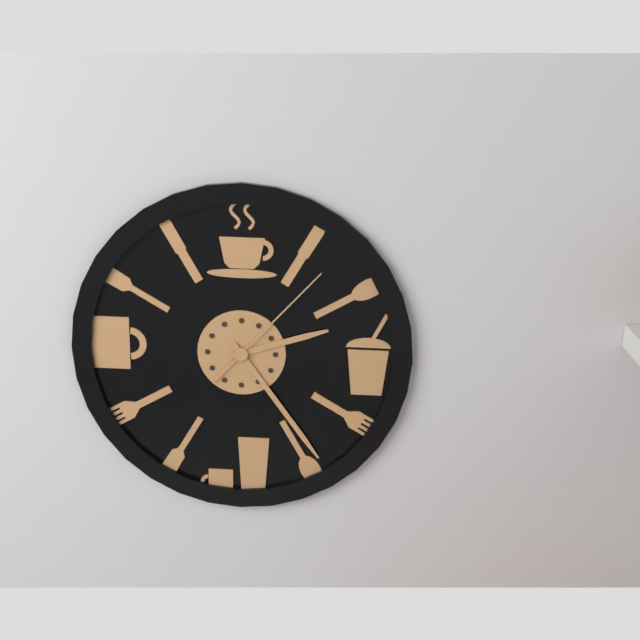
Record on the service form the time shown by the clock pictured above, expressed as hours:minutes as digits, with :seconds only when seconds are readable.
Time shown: 2:24:07
